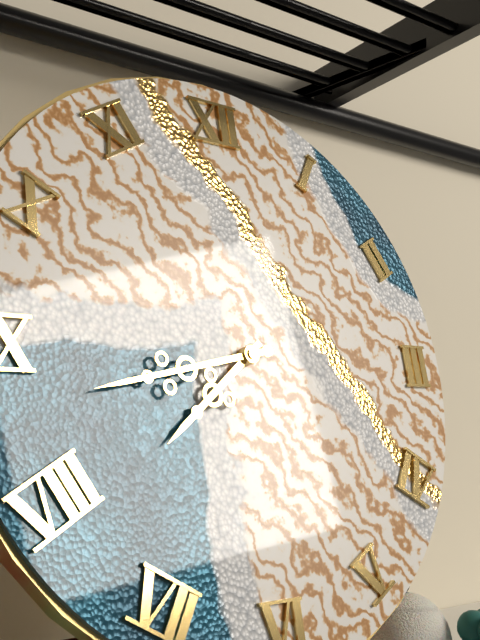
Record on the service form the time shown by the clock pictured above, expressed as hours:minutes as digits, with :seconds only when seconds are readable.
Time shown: 7:43
